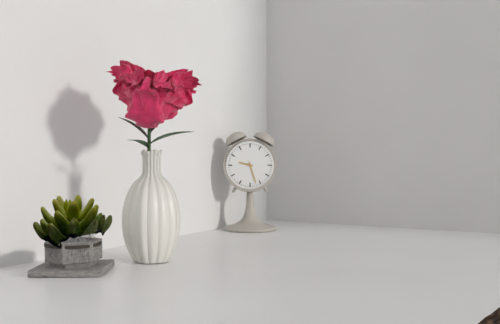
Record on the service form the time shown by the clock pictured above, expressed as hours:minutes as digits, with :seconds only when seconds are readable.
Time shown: 9:27
